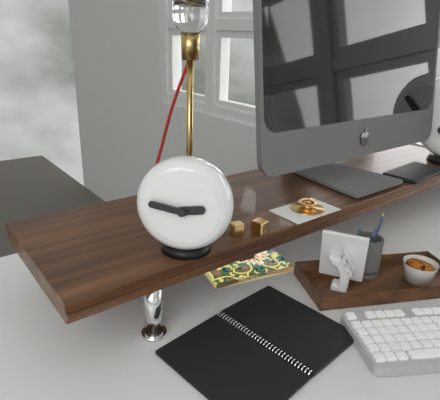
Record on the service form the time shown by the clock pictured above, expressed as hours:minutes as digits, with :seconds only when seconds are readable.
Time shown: 2:47
